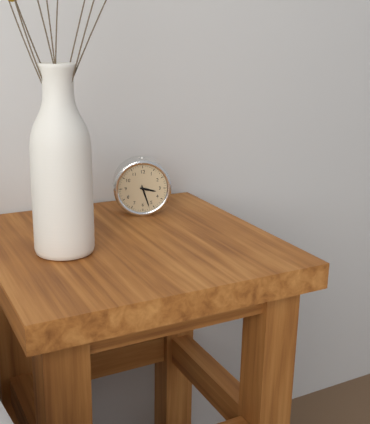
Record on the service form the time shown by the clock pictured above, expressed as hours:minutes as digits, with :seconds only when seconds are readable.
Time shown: 3:27
